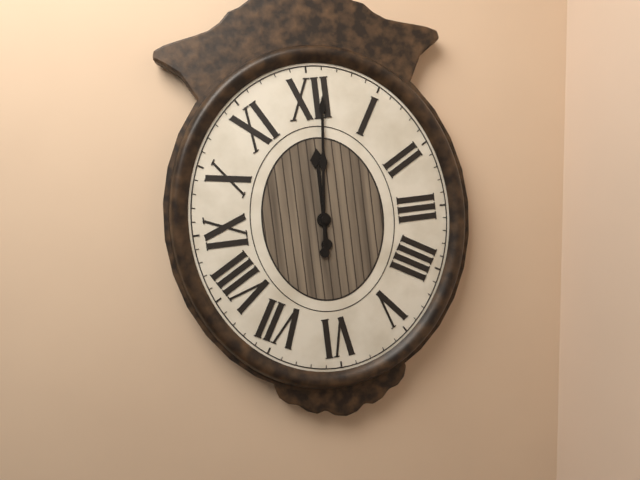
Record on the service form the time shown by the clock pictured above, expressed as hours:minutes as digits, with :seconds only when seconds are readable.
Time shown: 12:01
